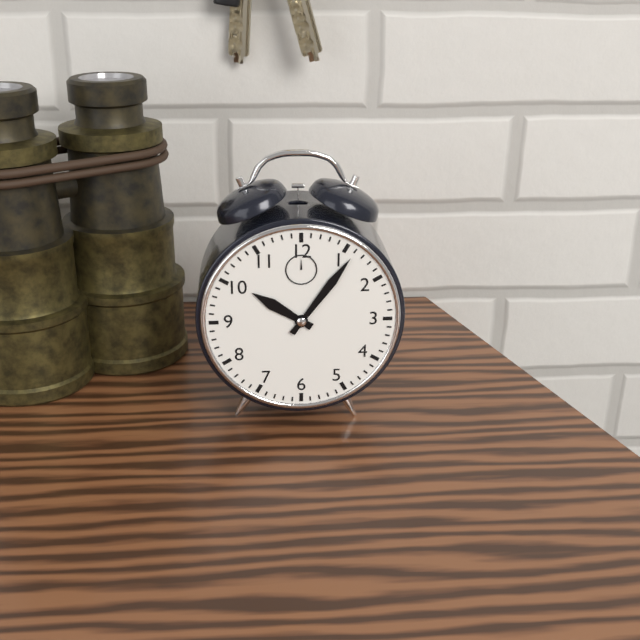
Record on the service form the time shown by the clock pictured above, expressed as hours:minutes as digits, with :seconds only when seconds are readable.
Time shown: 10:06
